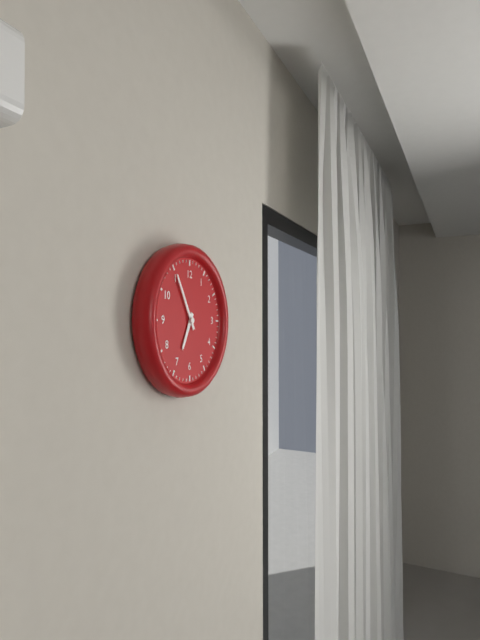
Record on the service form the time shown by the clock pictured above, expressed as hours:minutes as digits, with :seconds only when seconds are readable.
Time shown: 6:55
